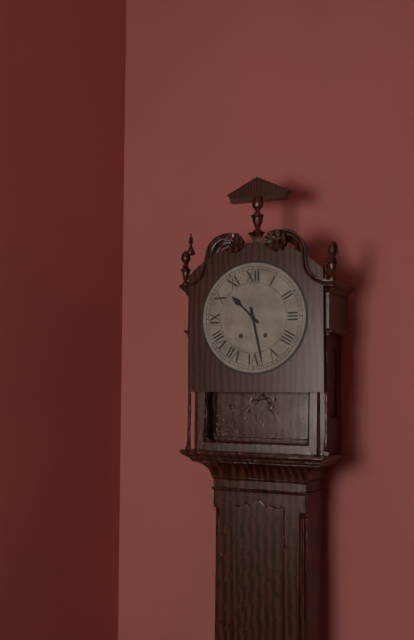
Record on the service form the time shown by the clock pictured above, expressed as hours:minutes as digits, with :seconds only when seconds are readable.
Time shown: 10:28
